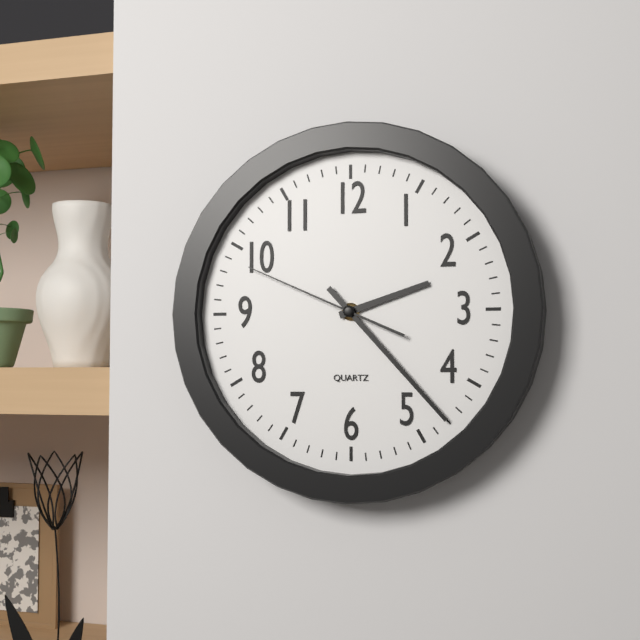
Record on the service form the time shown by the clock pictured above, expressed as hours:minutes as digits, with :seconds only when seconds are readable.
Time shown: 2:23:49
